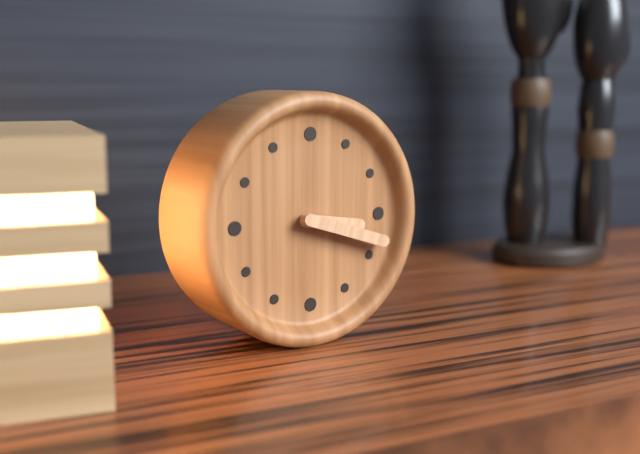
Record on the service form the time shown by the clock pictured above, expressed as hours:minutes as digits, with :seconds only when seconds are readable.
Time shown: 3:18
